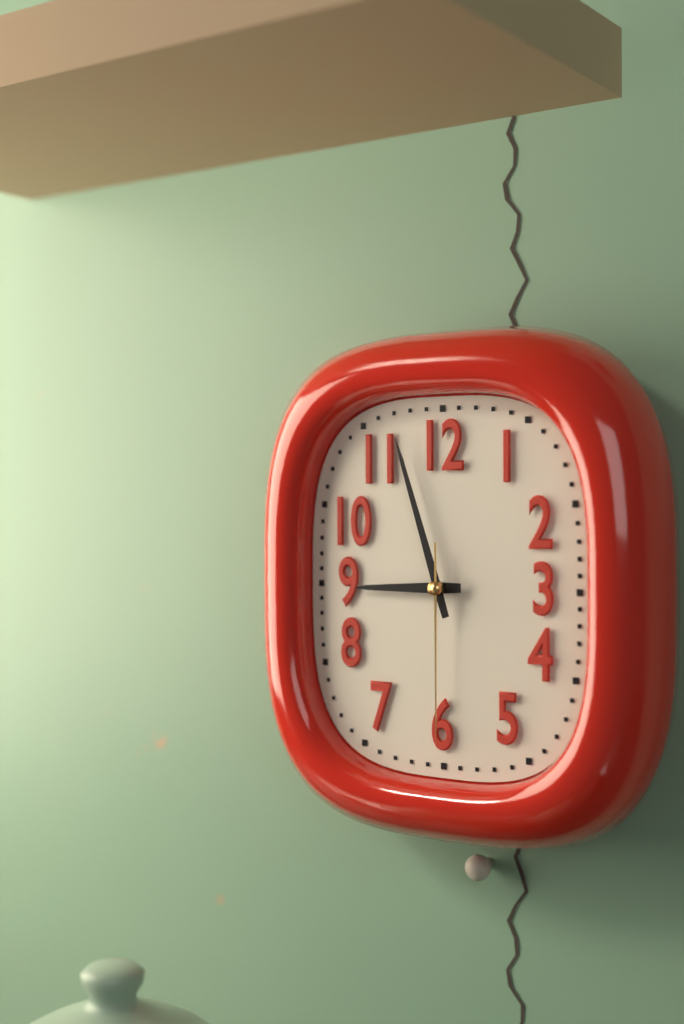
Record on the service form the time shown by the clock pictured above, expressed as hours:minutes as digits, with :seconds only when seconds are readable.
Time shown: 8:57:30
